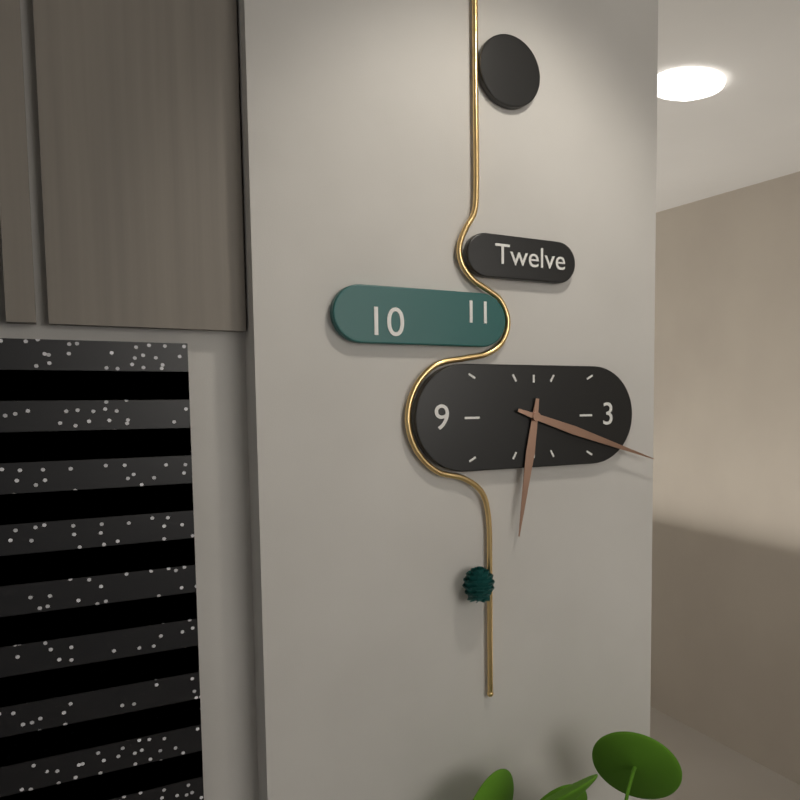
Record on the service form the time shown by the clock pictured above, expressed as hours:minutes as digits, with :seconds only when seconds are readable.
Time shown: 6:18
